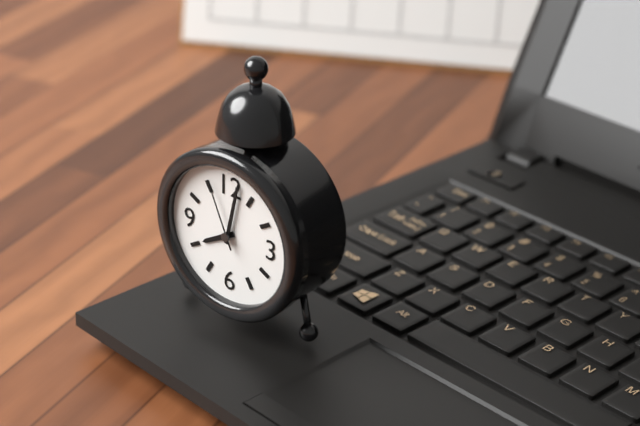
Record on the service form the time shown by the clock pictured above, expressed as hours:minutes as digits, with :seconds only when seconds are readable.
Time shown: 8:02:56
